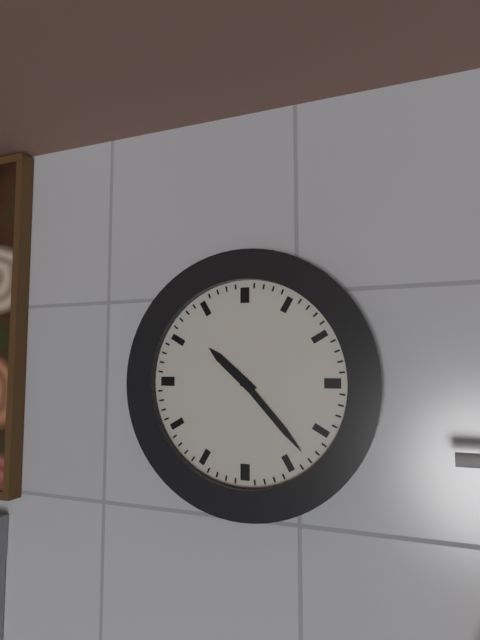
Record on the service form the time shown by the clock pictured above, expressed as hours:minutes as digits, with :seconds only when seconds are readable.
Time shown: 10:23
